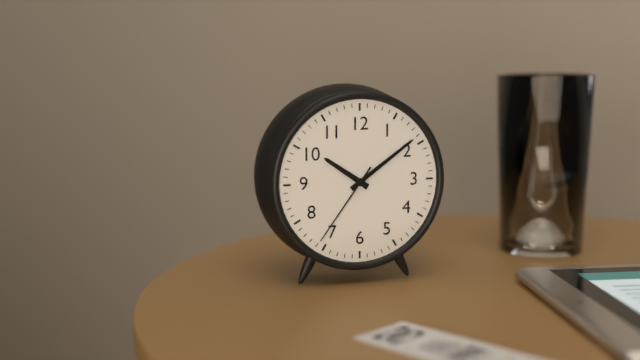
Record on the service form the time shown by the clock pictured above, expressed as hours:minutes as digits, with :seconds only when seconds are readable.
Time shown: 10:09:36
